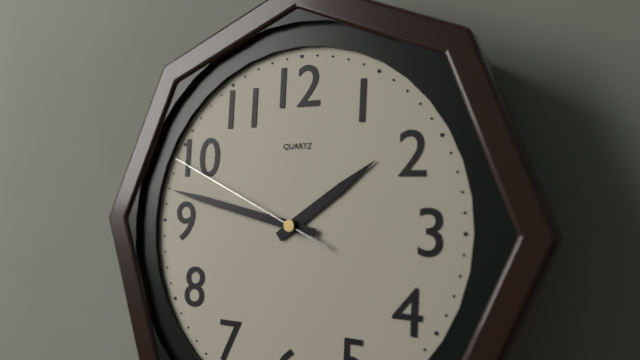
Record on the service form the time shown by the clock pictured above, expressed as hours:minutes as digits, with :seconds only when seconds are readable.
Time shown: 1:47:49
